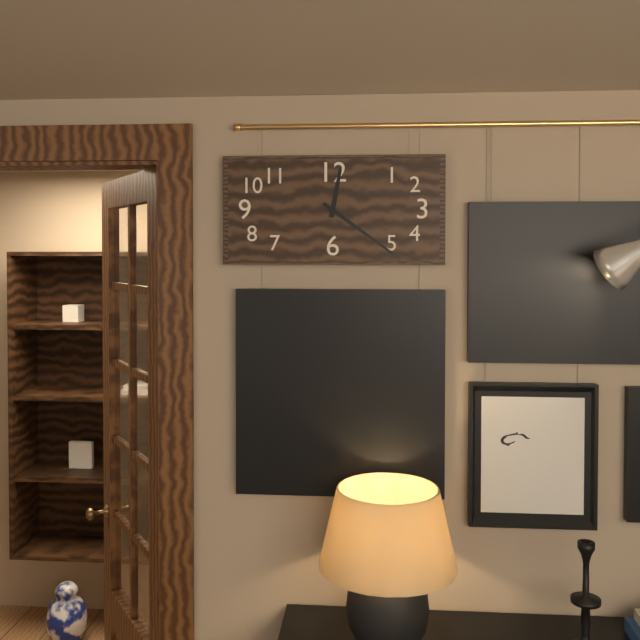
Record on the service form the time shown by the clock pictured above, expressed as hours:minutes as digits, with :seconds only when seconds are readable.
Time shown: 12:21
